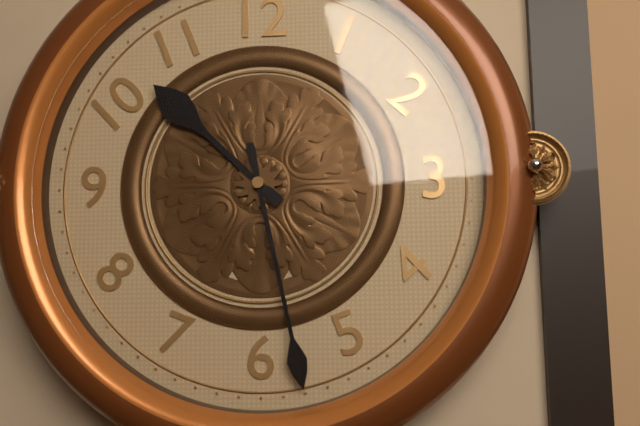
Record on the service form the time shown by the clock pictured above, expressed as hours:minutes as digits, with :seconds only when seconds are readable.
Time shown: 10:28
